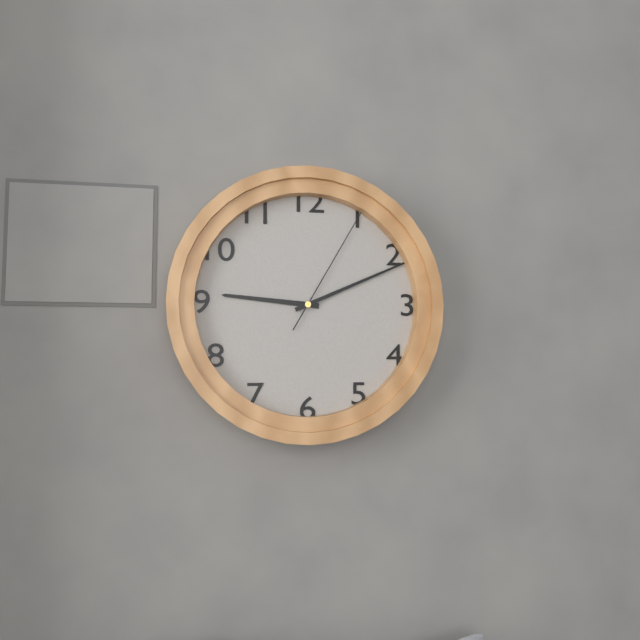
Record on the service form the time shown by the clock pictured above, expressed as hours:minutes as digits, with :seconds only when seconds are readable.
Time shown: 9:11:05
